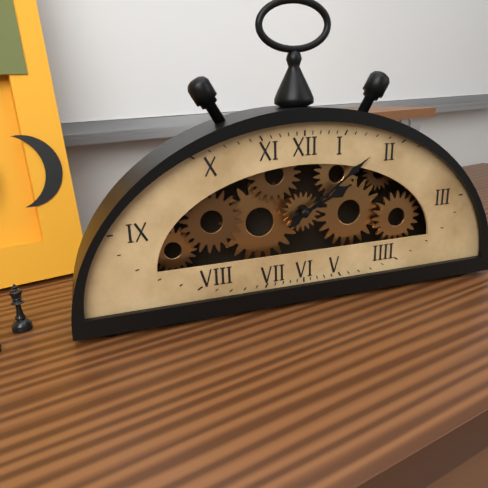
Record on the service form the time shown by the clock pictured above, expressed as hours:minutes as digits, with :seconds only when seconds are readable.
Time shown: 2:09
